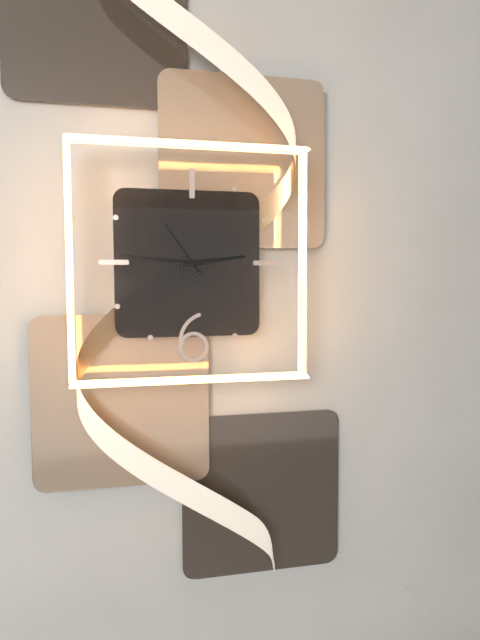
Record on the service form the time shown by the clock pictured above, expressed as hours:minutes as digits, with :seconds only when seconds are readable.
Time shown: 2:46:54
